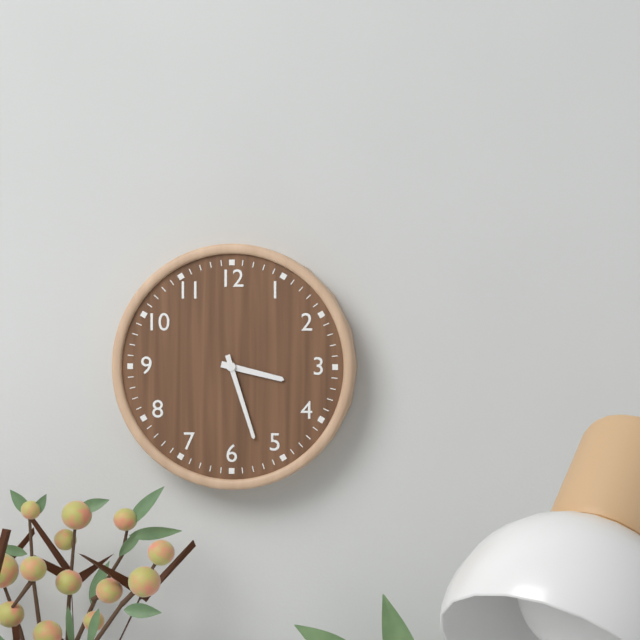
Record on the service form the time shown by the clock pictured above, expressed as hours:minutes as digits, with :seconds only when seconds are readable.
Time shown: 3:27
